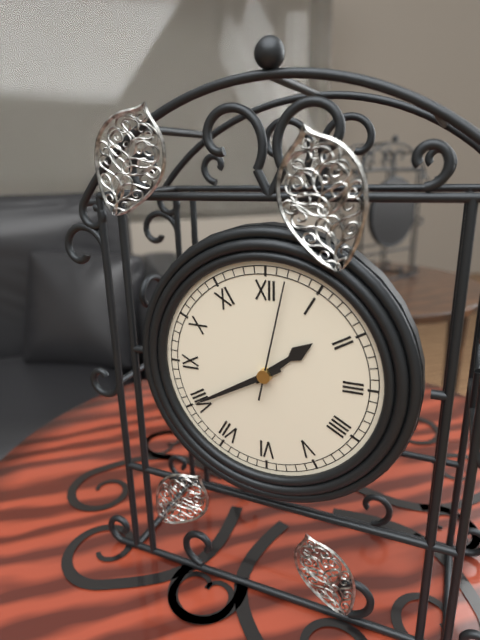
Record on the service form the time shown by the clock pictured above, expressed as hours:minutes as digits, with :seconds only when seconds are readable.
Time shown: 1:40:02
